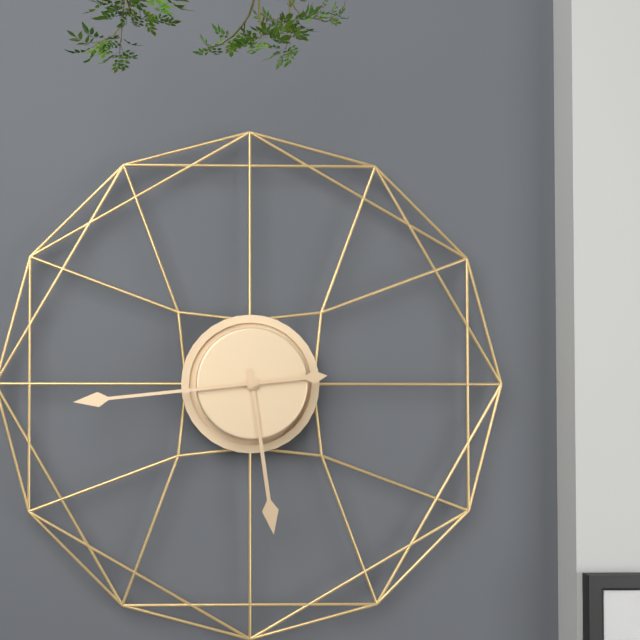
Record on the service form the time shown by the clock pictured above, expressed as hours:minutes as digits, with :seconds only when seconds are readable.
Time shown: 5:44
